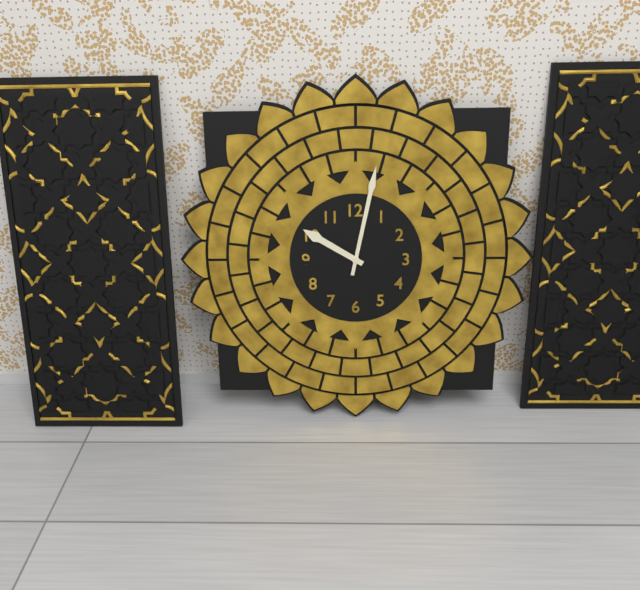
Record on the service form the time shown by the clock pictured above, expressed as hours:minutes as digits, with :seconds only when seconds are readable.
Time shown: 10:02
